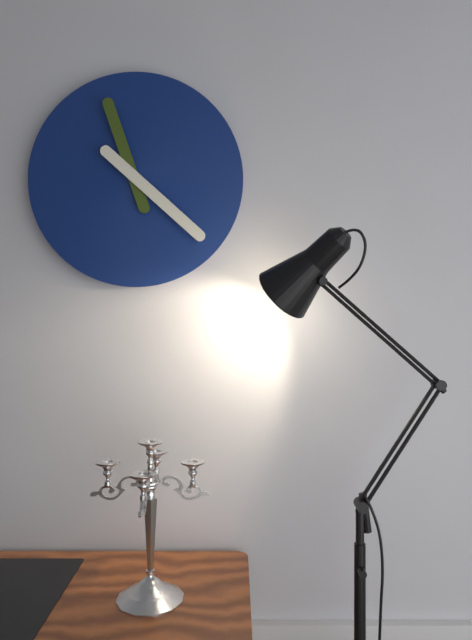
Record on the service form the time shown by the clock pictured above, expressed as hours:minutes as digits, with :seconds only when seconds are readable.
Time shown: 11:22
